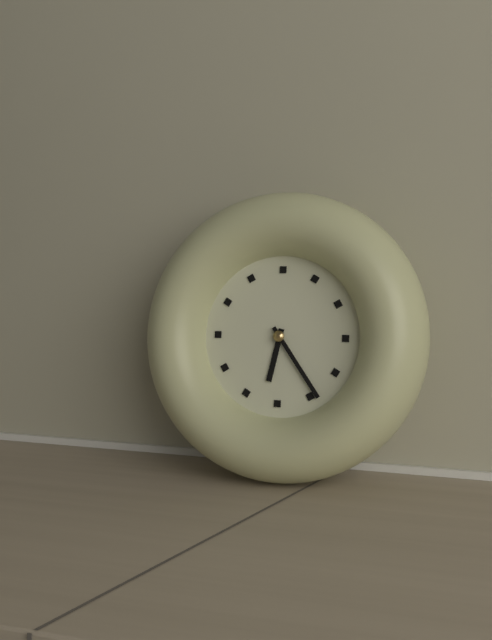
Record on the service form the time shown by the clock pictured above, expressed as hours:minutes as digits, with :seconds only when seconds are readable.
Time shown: 6:24
